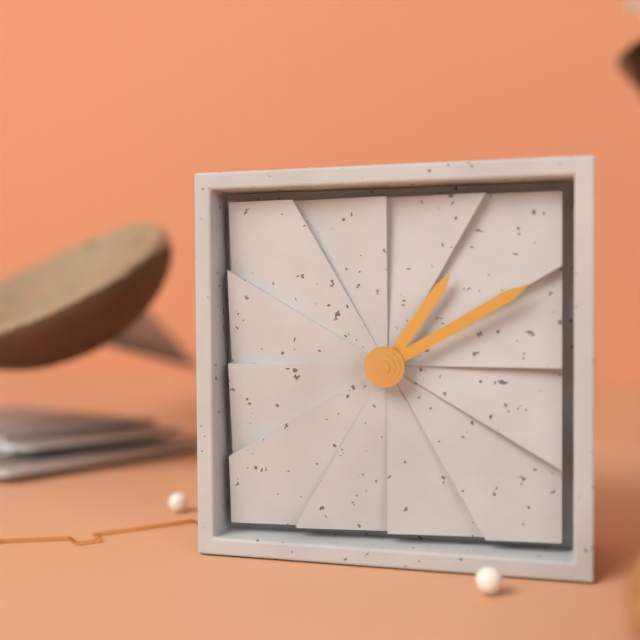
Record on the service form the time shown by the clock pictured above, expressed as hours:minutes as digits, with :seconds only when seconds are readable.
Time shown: 1:10
